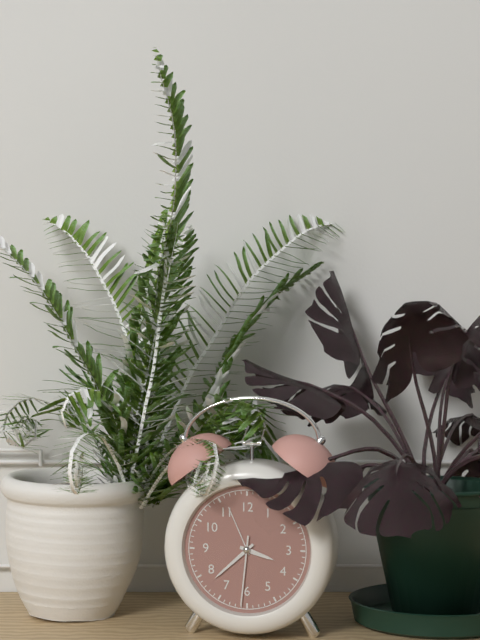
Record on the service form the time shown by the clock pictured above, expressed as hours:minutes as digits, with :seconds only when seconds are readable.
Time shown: 3:38:31
